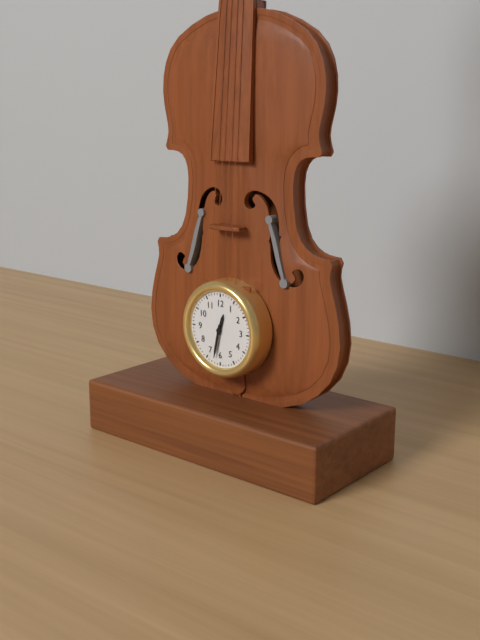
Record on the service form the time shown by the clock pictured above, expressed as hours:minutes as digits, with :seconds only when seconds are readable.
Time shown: 12:32
